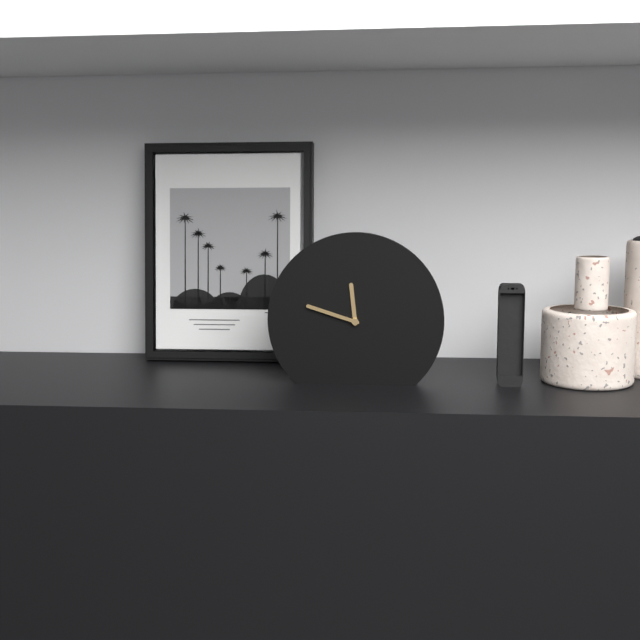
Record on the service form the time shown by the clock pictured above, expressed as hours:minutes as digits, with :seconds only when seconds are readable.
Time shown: 11:48
